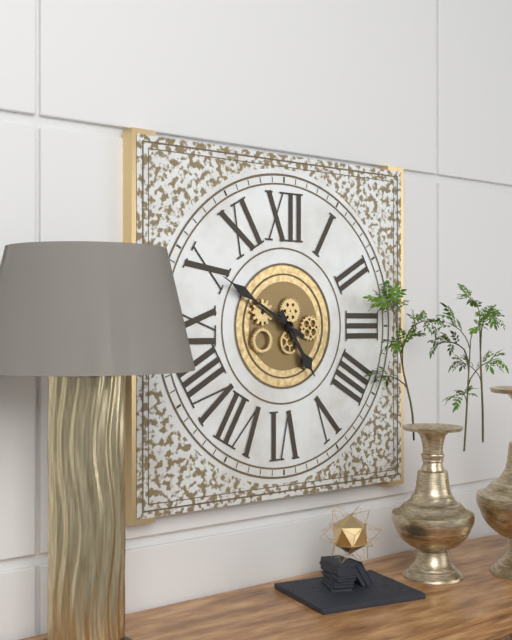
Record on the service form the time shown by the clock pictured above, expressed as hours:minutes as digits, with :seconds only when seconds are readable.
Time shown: 4:50
